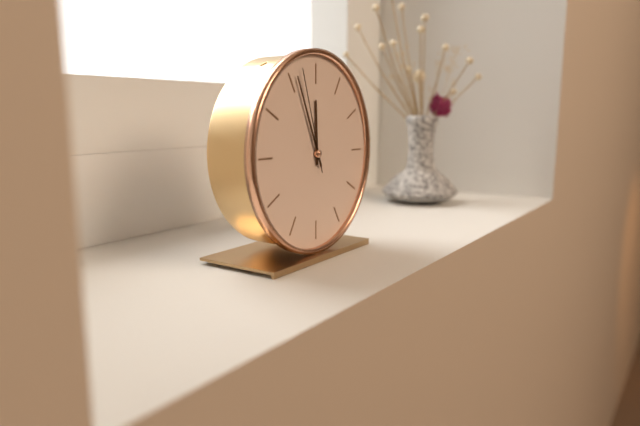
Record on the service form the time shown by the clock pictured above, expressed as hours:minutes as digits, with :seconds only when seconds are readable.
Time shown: 11:56:57
